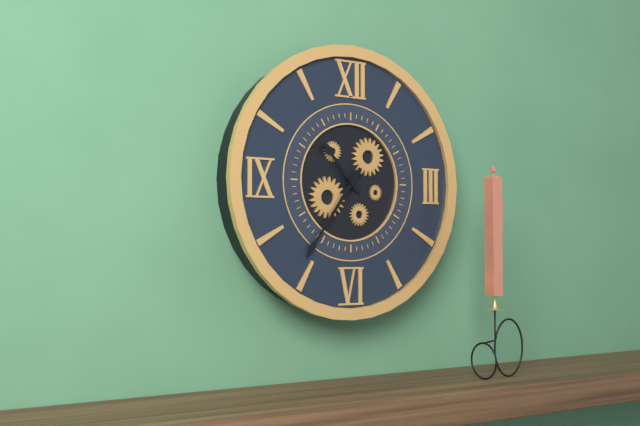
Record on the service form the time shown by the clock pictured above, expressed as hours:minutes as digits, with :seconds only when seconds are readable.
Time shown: 10:36
